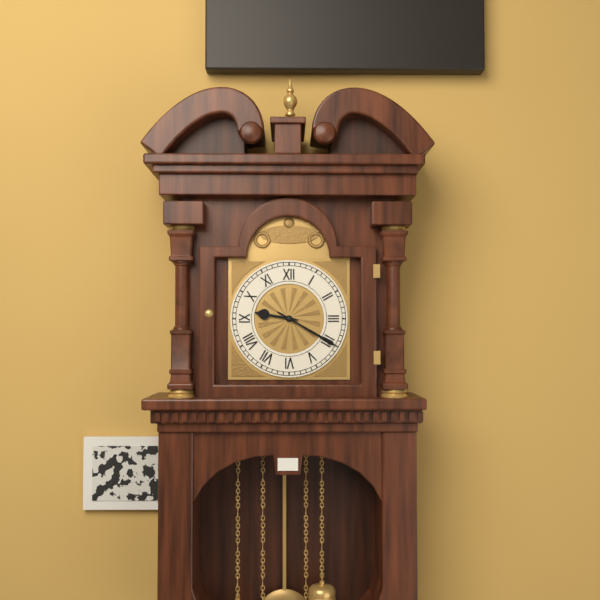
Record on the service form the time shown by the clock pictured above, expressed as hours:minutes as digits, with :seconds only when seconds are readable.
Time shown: 9:20
